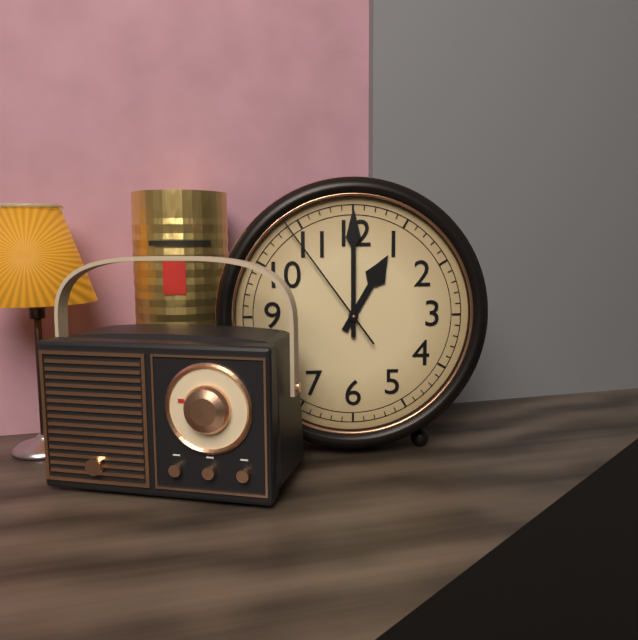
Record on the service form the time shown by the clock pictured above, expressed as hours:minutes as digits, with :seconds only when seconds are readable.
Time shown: 1:00:54
